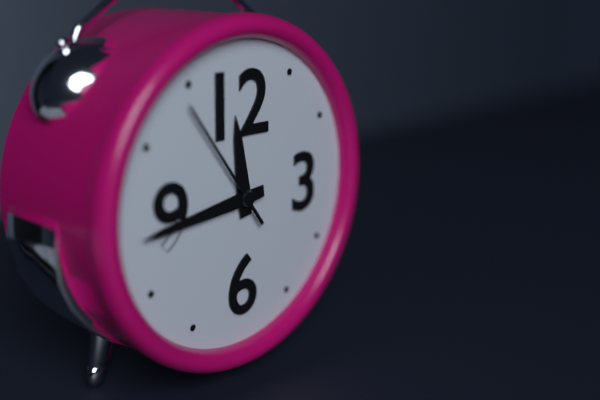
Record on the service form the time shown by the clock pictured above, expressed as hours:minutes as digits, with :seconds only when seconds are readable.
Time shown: 11:44:54
